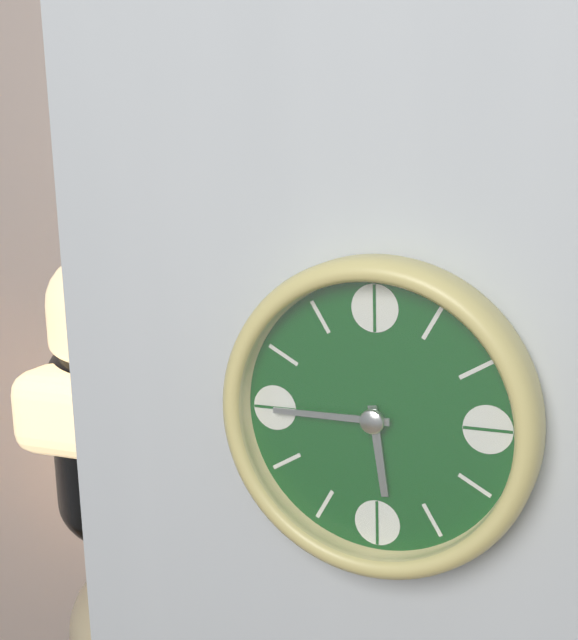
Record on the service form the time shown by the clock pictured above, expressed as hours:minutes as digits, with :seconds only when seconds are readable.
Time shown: 5:45
